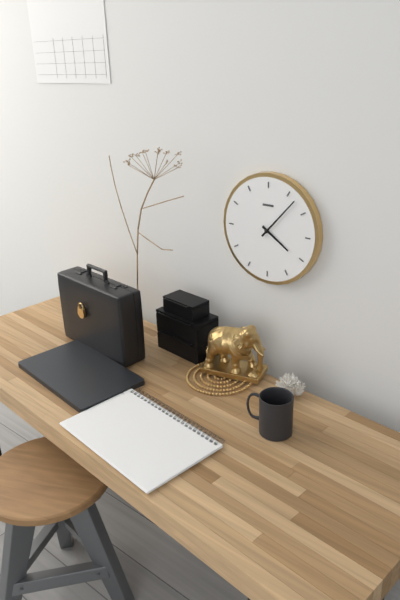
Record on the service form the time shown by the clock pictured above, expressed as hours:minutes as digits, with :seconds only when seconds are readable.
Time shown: 4:07
